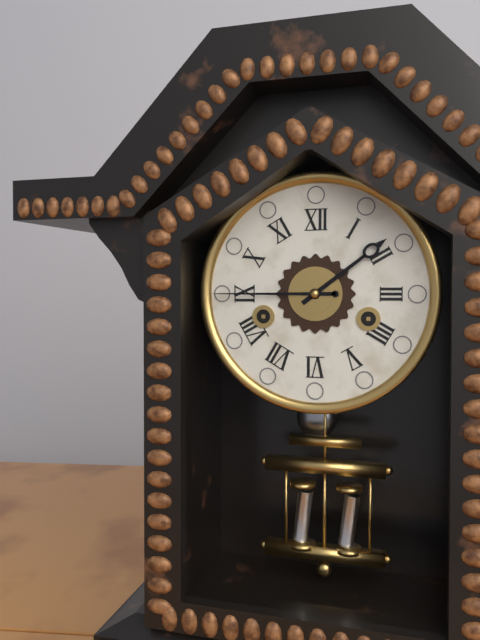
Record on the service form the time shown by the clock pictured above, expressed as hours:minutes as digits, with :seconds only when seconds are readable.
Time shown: 1:45
